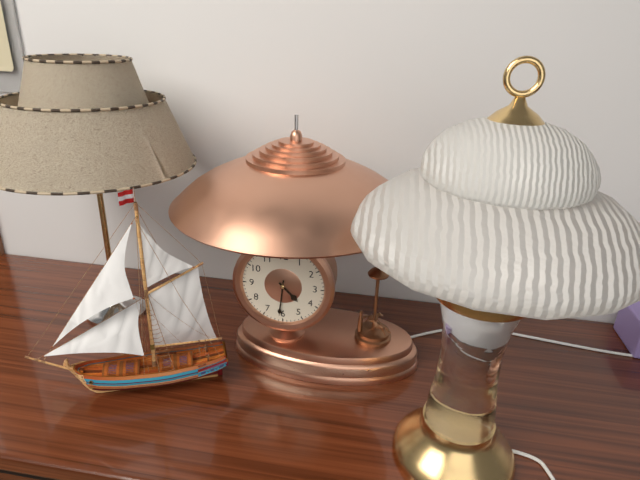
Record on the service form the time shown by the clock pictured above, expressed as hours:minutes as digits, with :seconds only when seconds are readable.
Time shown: 4:31
